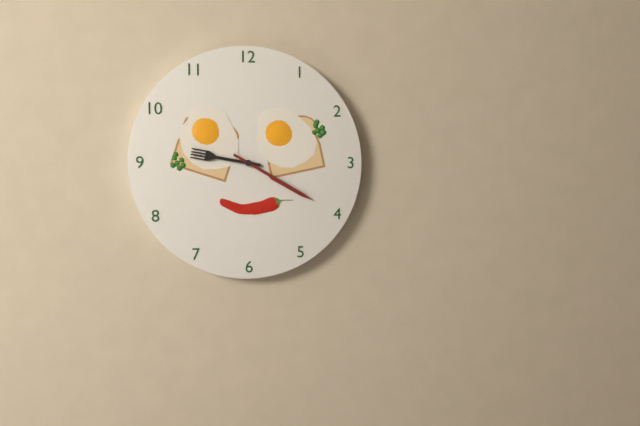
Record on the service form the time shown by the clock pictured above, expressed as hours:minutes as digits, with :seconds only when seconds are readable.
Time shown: 9:20
